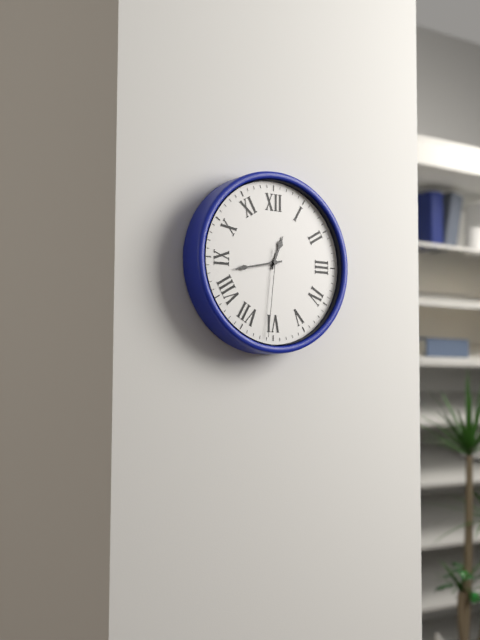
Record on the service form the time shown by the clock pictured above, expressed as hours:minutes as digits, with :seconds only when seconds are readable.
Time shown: 12:43:31
